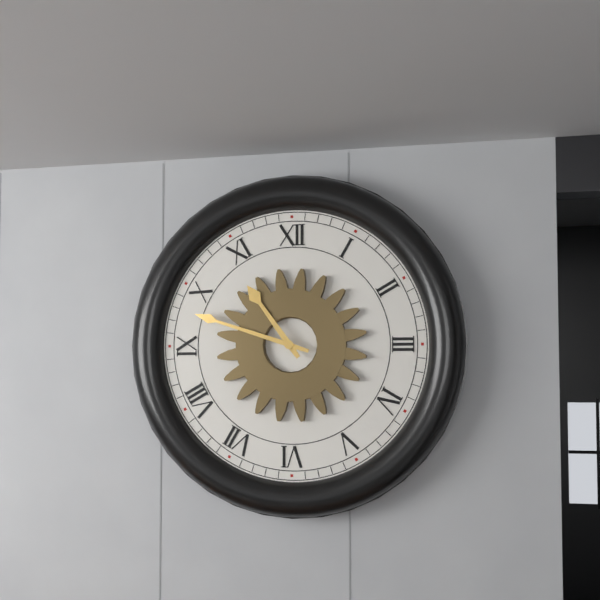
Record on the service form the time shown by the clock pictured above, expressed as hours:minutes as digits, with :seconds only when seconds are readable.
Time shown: 10:48
